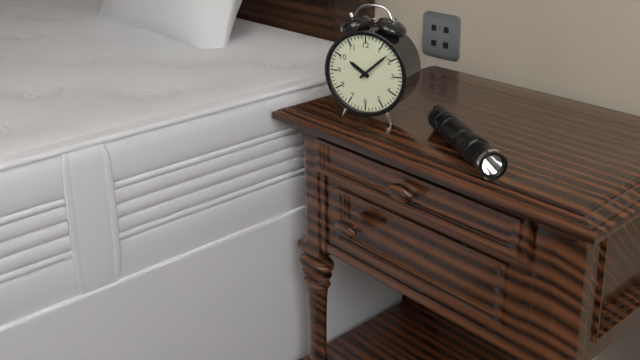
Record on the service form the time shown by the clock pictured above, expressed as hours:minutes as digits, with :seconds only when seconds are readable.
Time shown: 10:08
